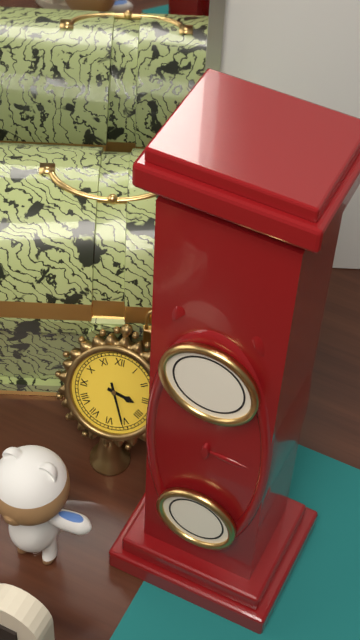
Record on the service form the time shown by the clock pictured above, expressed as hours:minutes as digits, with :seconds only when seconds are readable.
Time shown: 3:26
